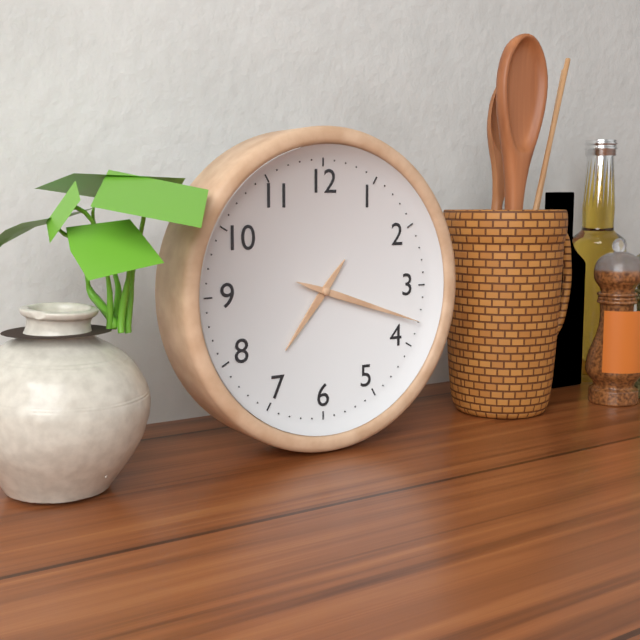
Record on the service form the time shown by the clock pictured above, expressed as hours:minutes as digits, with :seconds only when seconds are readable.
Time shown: 7:18
